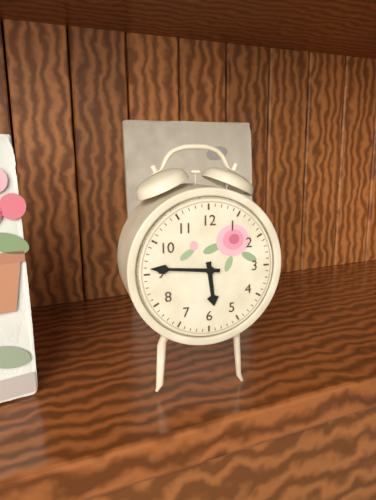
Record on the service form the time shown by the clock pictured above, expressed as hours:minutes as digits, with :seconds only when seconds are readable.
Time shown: 5:46
